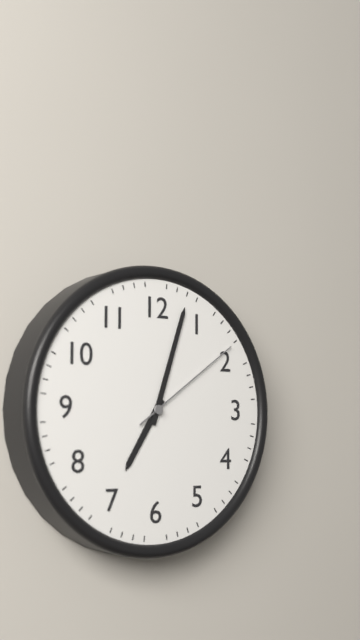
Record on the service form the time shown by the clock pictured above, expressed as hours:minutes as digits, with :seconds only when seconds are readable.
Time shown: 7:03:09
